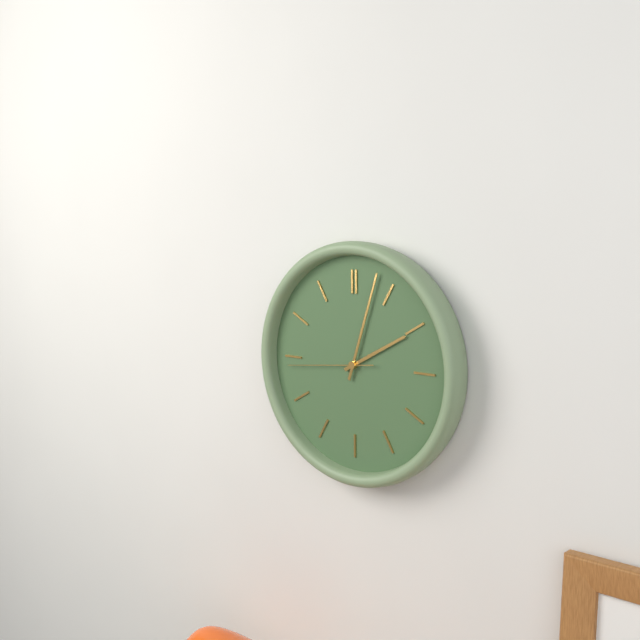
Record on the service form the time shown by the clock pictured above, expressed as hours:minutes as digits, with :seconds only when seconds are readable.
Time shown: 2:03:44
